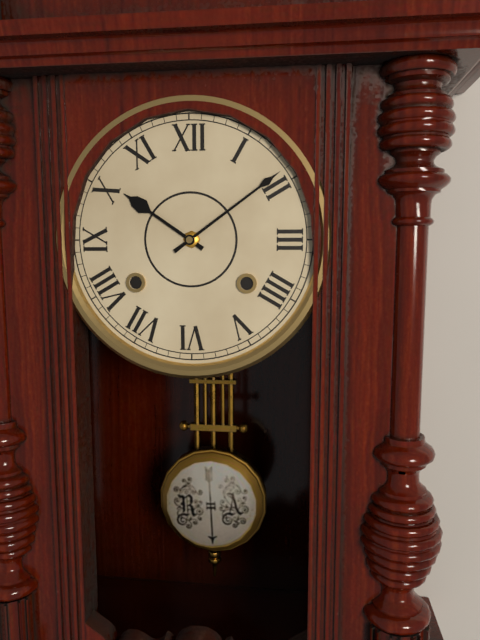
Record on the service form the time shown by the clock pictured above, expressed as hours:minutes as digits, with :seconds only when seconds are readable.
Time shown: 10:09
